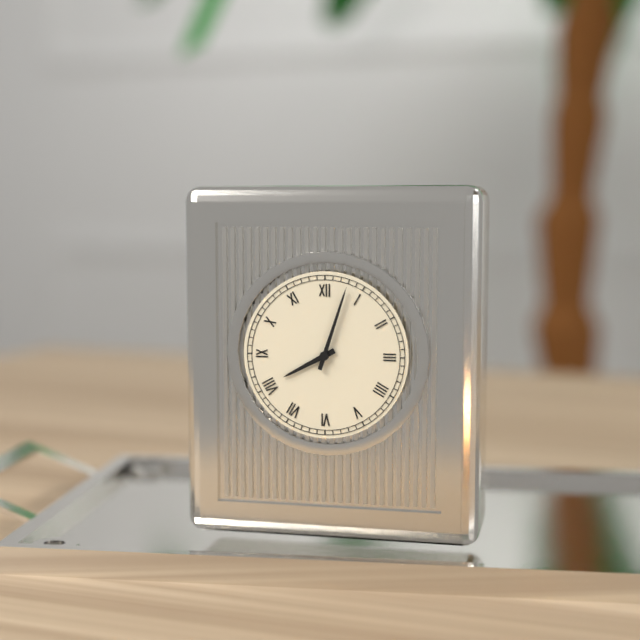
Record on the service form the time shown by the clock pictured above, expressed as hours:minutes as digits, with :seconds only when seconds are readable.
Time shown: 8:03
